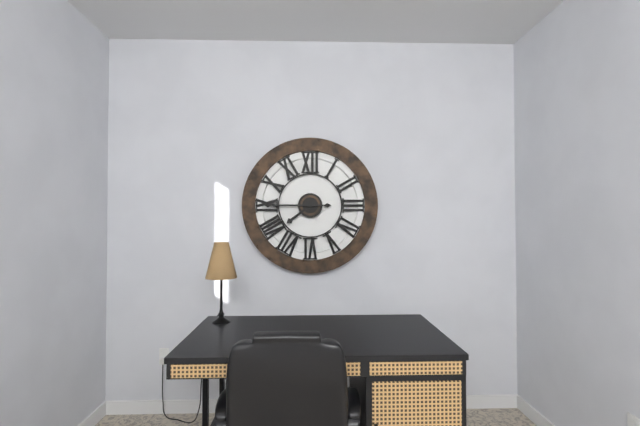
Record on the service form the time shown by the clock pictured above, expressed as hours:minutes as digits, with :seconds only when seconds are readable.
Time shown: 7:45
